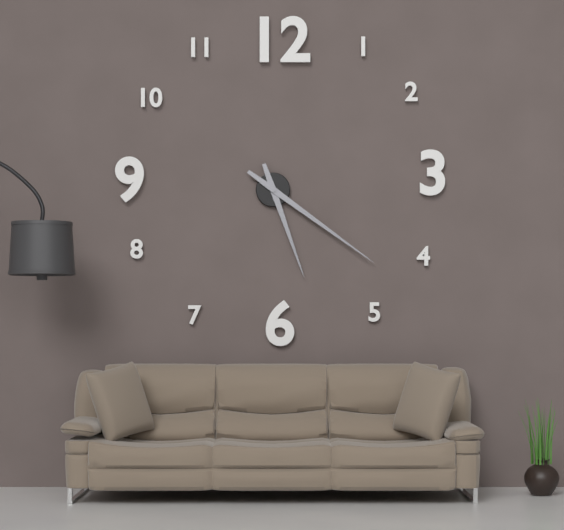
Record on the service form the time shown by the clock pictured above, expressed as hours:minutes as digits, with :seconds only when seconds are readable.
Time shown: 5:21
